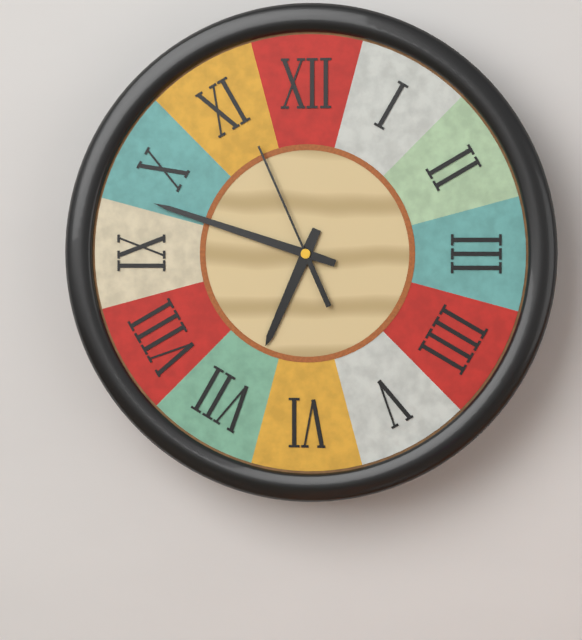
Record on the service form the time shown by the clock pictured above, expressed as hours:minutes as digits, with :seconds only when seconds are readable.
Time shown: 6:48:56
